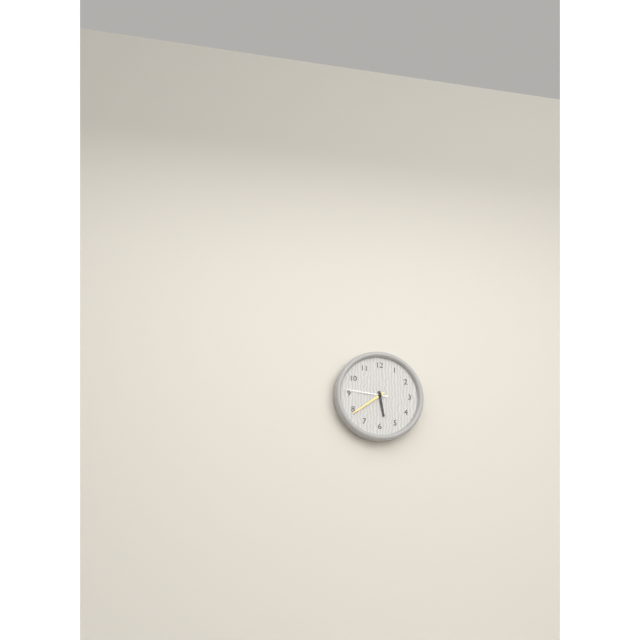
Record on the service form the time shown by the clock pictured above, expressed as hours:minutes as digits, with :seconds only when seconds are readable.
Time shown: 5:39
